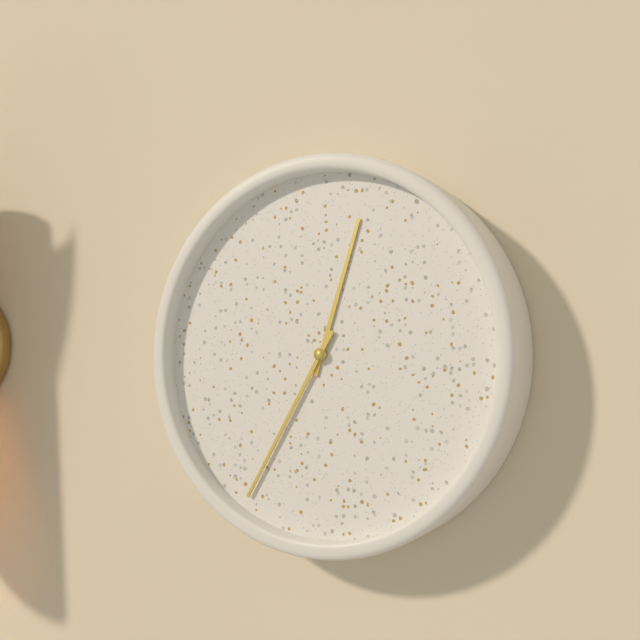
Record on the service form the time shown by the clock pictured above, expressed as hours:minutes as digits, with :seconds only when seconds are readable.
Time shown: 12:35
